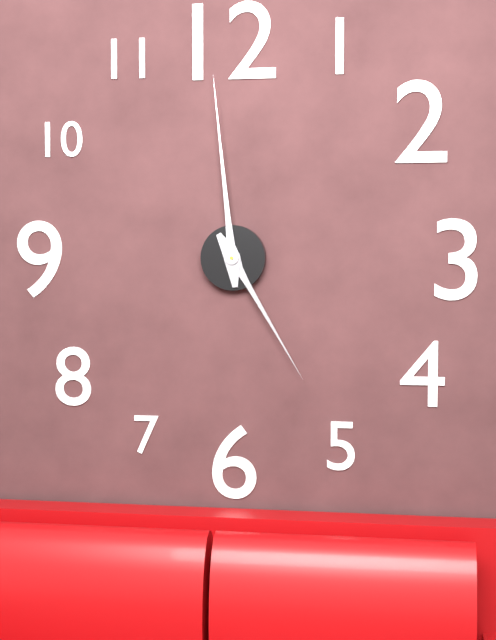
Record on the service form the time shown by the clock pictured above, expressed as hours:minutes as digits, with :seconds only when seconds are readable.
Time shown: 4:59
